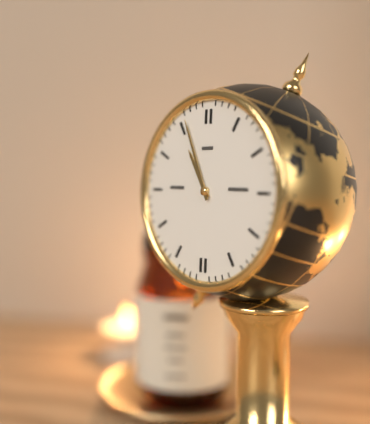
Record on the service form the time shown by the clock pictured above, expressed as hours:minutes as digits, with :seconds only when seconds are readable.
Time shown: 10:56
